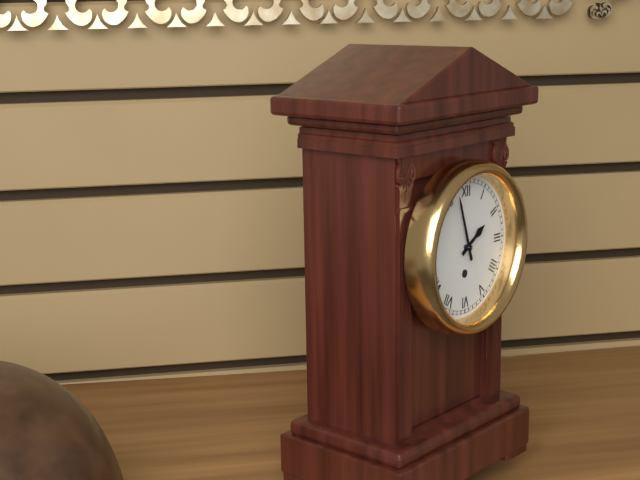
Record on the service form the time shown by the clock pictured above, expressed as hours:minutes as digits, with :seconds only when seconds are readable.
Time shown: 1:57
